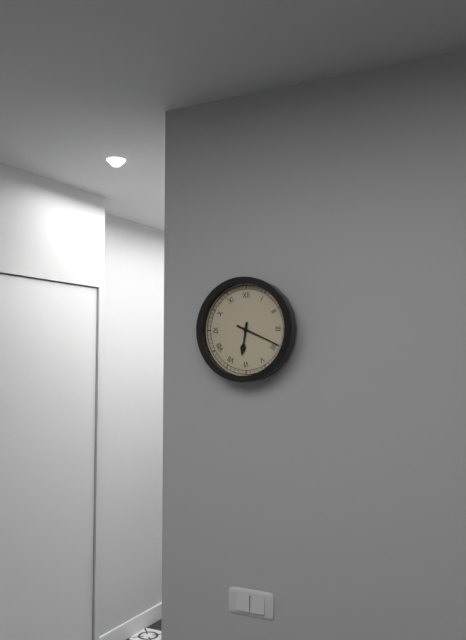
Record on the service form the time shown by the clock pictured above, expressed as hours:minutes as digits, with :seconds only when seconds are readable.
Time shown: 6:19
